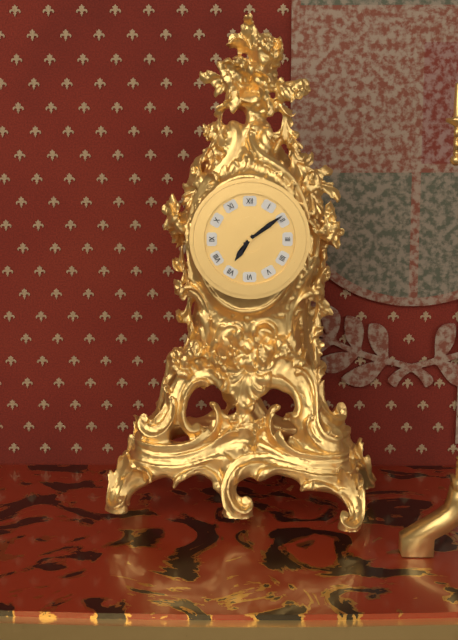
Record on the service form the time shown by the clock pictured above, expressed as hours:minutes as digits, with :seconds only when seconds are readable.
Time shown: 7:09
